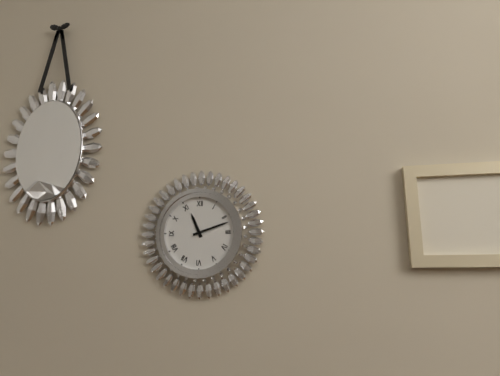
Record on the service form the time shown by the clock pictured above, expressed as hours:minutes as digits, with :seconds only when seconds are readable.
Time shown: 11:12
